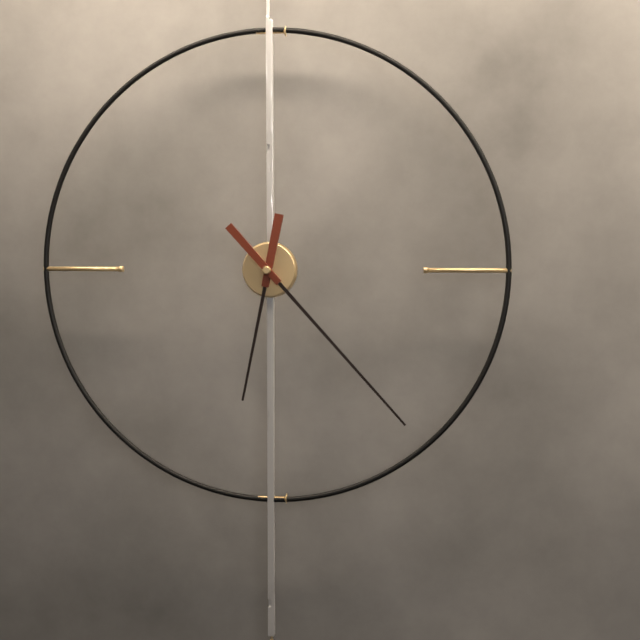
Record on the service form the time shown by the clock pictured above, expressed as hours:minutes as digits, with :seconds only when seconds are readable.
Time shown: 6:23
